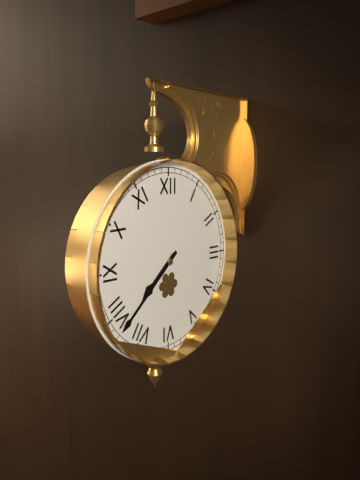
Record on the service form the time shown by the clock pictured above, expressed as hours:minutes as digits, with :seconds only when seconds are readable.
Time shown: 7:38
